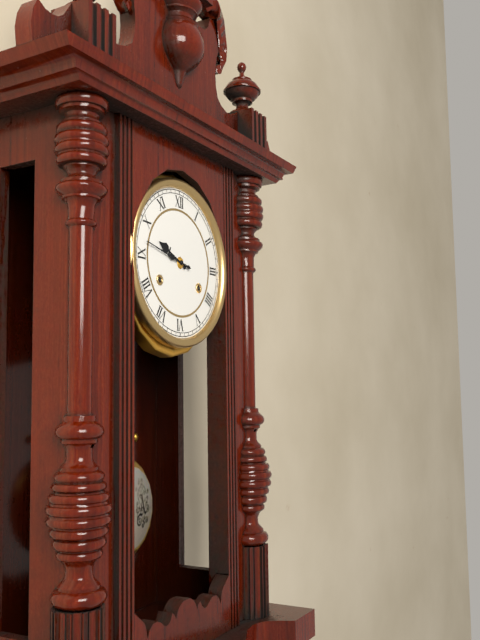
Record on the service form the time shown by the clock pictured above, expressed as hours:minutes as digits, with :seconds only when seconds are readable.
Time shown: 9:47
